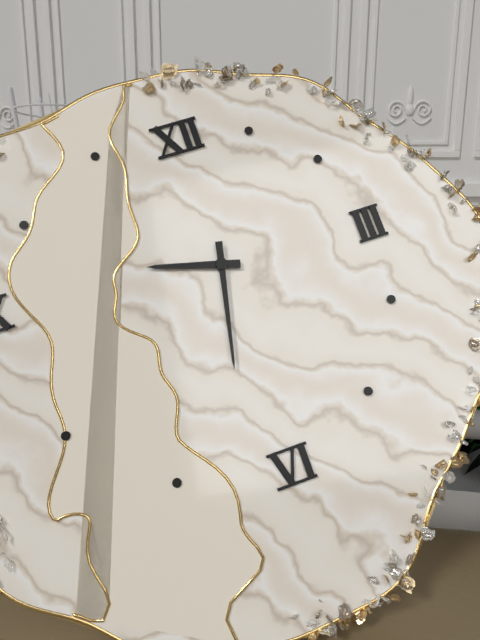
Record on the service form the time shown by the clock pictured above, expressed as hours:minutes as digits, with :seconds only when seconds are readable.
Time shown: 9:32
